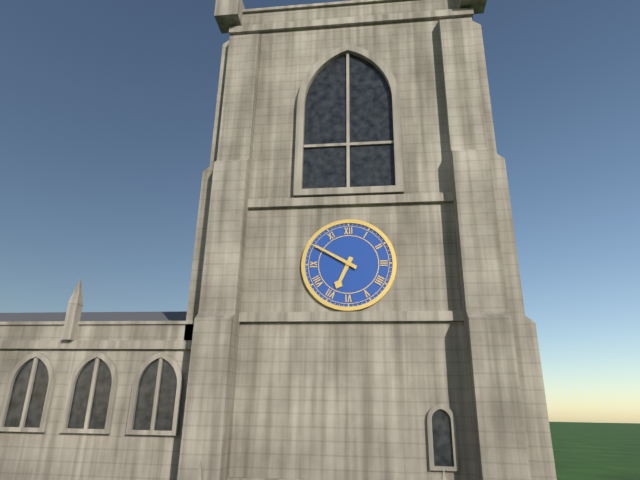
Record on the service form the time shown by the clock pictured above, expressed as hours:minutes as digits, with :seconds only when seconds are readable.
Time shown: 6:50
